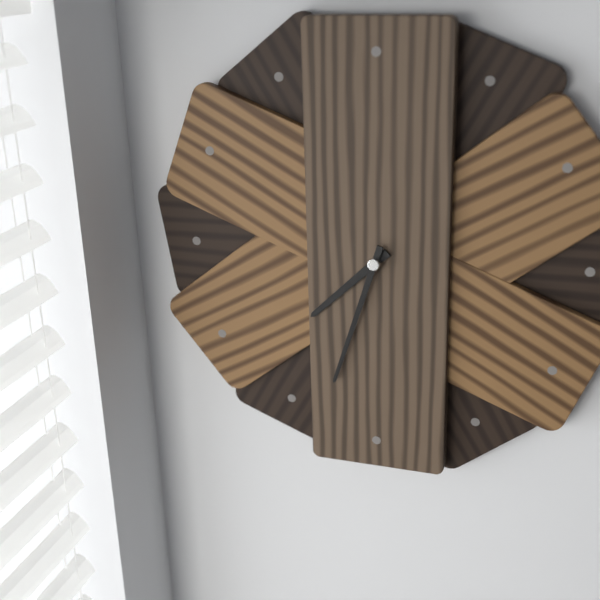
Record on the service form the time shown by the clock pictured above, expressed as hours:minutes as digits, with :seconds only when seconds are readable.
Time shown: 7:33
